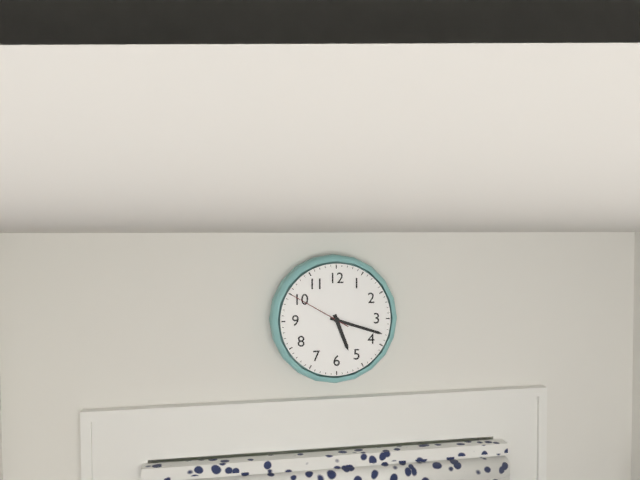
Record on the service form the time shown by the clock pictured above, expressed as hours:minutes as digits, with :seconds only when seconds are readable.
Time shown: 5:18:50
